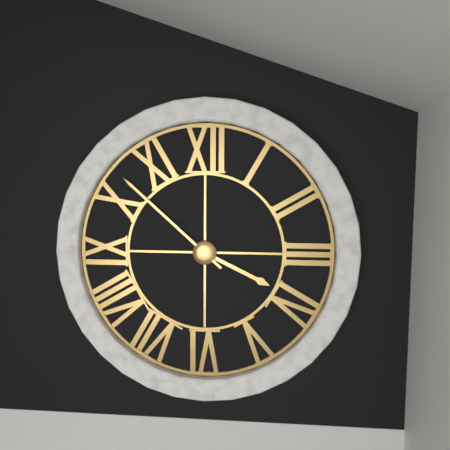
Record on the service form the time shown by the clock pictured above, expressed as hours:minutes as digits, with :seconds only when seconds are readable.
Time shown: 3:52
